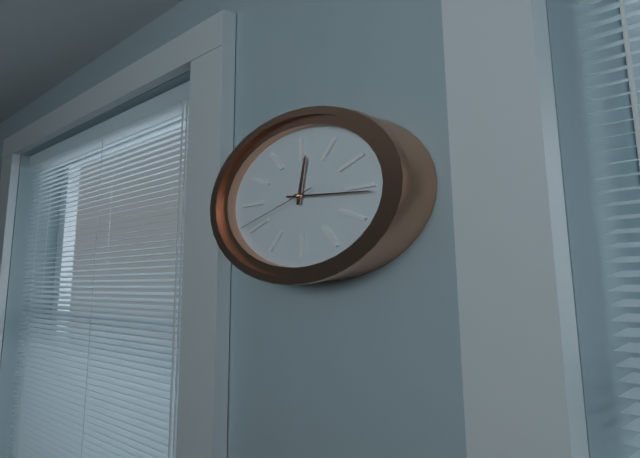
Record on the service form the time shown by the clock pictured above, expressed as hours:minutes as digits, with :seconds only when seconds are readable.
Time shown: 12:16:41
